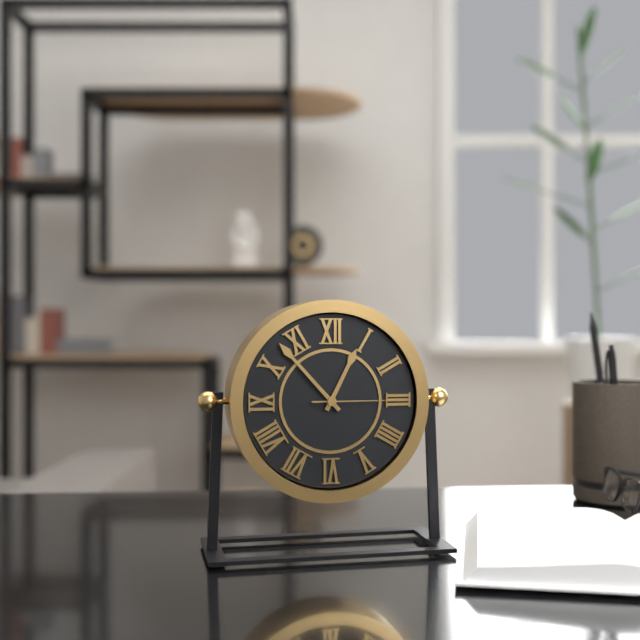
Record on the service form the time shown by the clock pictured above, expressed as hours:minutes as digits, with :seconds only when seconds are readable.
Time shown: 12:53:15
